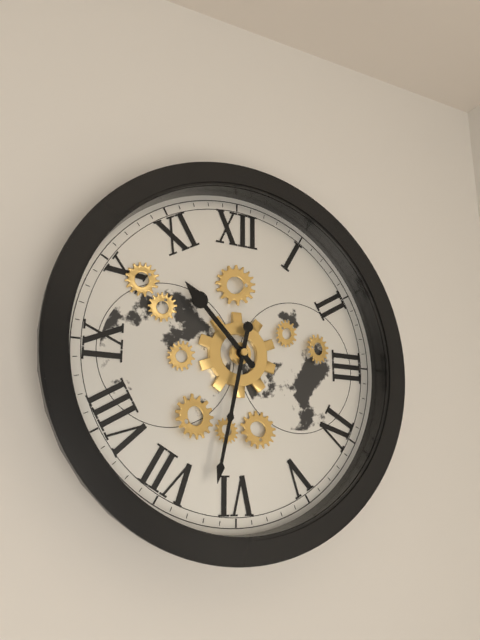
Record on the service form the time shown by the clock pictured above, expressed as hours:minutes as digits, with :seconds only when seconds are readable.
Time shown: 10:32
